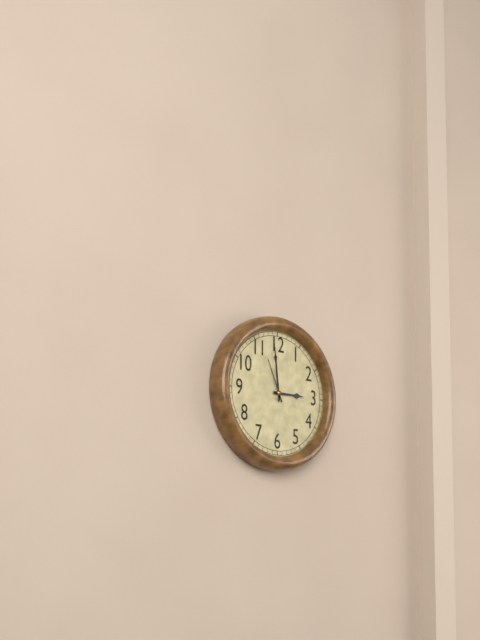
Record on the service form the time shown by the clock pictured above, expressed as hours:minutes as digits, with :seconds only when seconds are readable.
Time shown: 2:59
